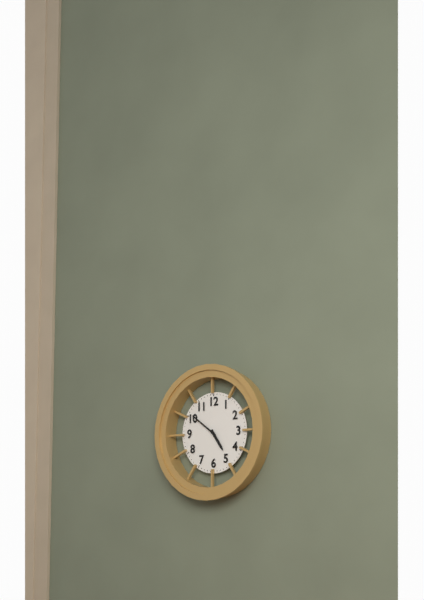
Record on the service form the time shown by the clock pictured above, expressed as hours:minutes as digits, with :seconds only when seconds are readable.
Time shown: 4:51
